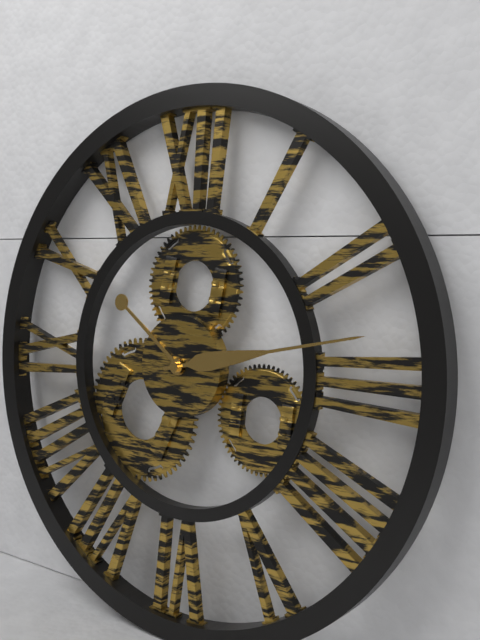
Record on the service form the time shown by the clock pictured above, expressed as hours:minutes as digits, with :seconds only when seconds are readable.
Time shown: 10:13
